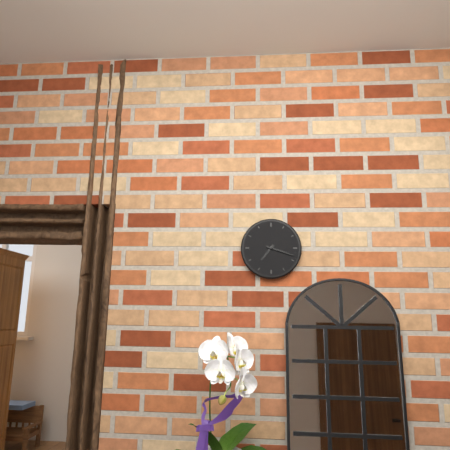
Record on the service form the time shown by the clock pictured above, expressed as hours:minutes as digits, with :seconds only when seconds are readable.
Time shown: 7:18
